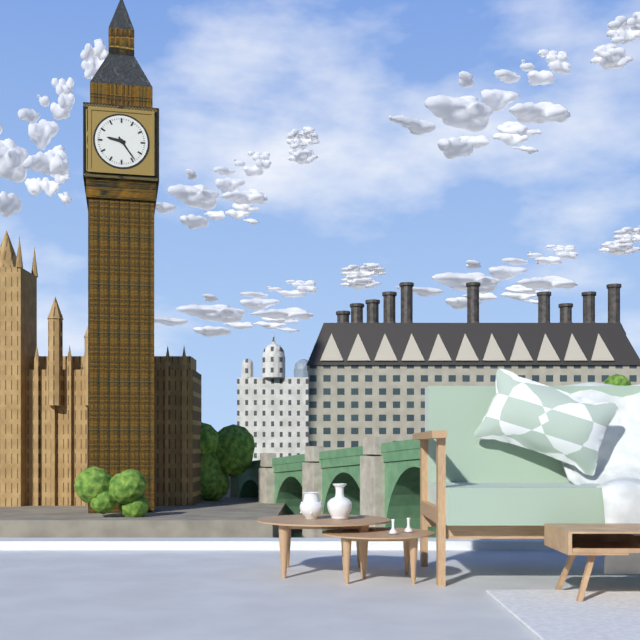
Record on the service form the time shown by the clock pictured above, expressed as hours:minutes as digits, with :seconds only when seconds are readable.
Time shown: 9:24
